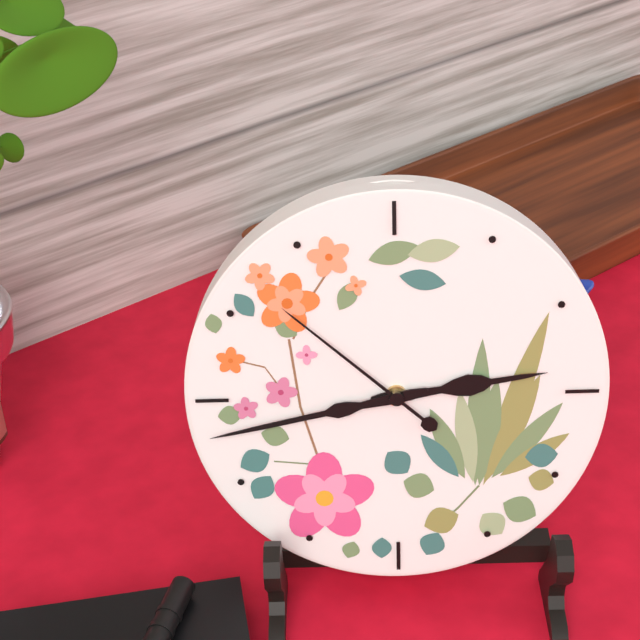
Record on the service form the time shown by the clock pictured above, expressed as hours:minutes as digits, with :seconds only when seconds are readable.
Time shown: 2:43:52
